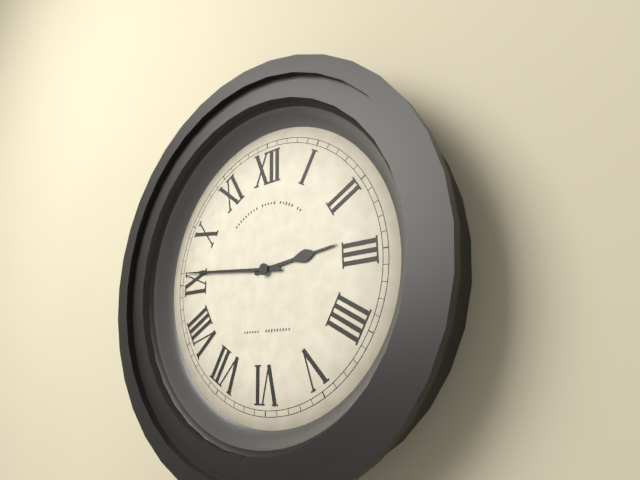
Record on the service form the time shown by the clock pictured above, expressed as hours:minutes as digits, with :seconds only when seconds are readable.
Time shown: 2:46
